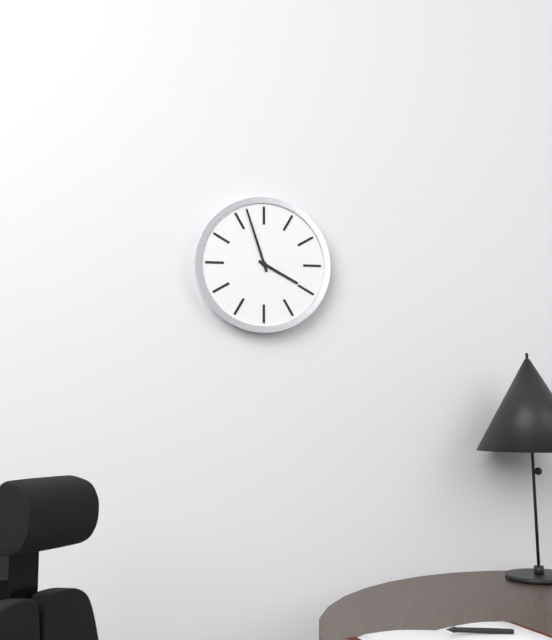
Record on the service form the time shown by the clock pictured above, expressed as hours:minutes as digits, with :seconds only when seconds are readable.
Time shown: 3:57
